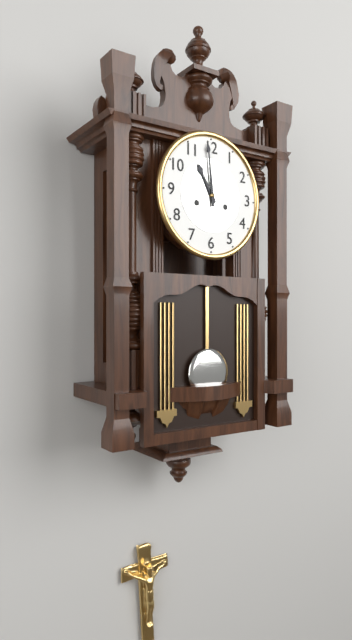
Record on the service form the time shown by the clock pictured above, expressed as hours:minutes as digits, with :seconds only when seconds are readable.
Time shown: 10:59
